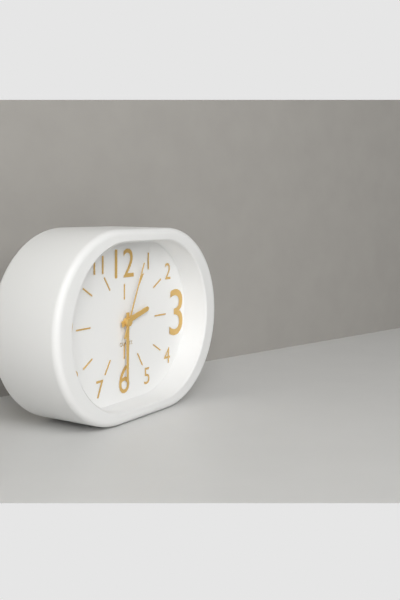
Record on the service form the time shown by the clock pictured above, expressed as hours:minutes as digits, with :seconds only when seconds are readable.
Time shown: 2:30:04
